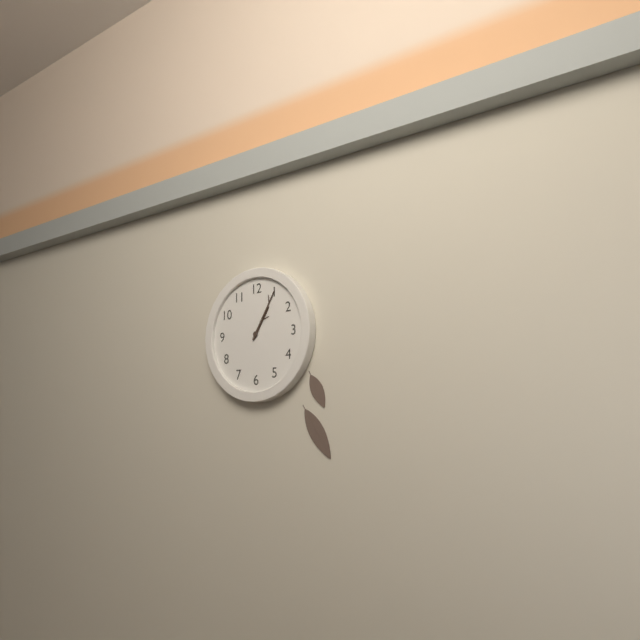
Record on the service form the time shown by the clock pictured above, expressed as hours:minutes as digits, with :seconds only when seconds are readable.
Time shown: 1:05
